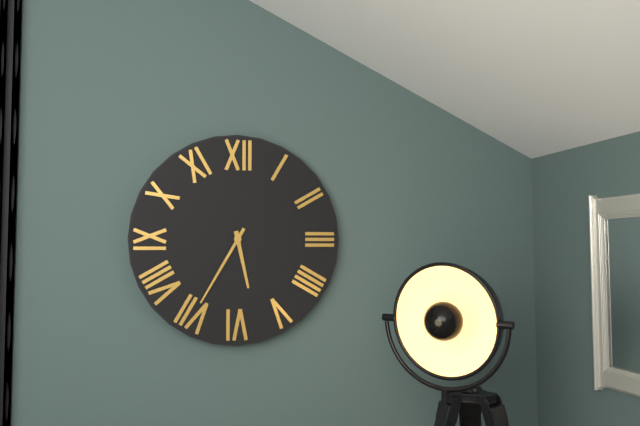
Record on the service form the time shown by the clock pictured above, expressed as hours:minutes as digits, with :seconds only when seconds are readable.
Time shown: 5:35
